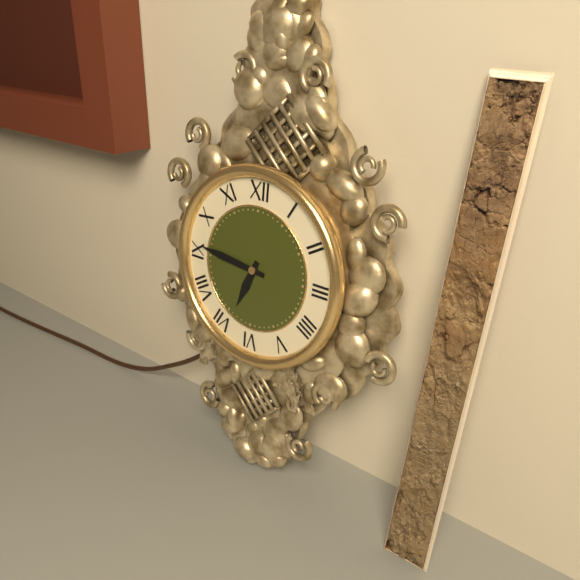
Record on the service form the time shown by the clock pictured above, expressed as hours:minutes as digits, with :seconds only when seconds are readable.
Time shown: 6:46
